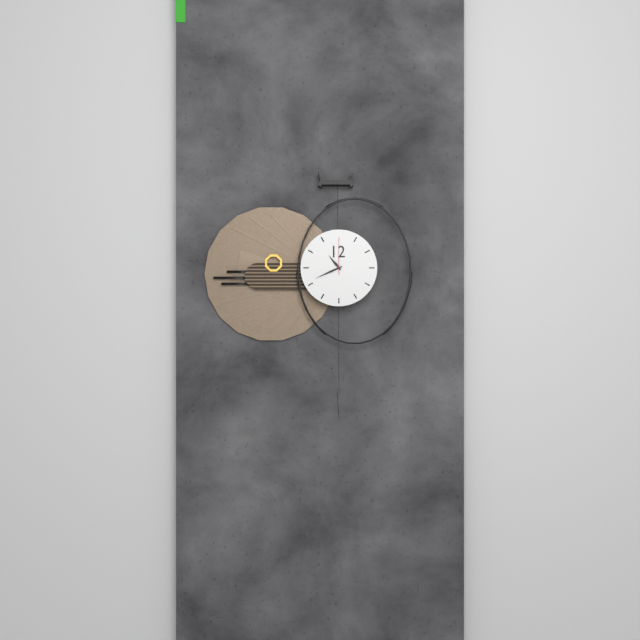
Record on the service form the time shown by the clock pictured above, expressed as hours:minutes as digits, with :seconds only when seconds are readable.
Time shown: 10:41
